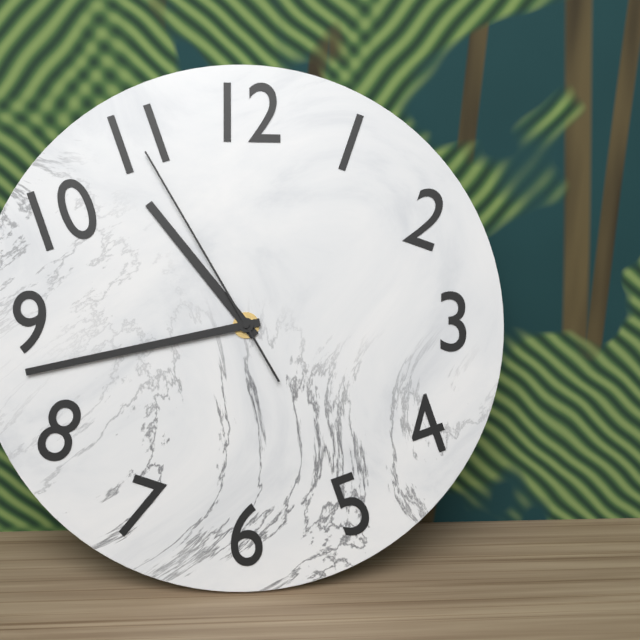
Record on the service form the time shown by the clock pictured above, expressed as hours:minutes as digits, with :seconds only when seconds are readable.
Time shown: 10:43:55
